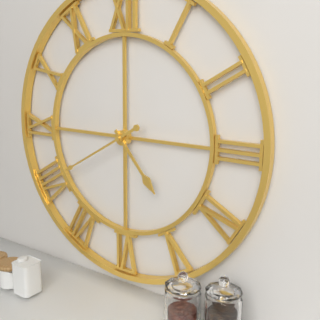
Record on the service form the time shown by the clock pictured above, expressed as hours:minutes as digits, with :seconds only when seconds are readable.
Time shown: 4:40
